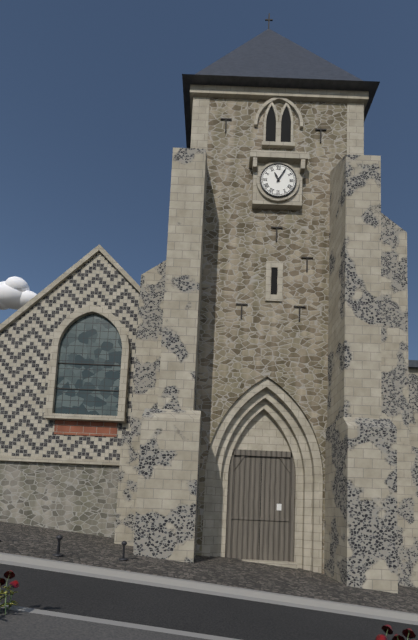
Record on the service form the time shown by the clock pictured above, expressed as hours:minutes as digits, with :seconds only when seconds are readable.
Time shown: 11:05
